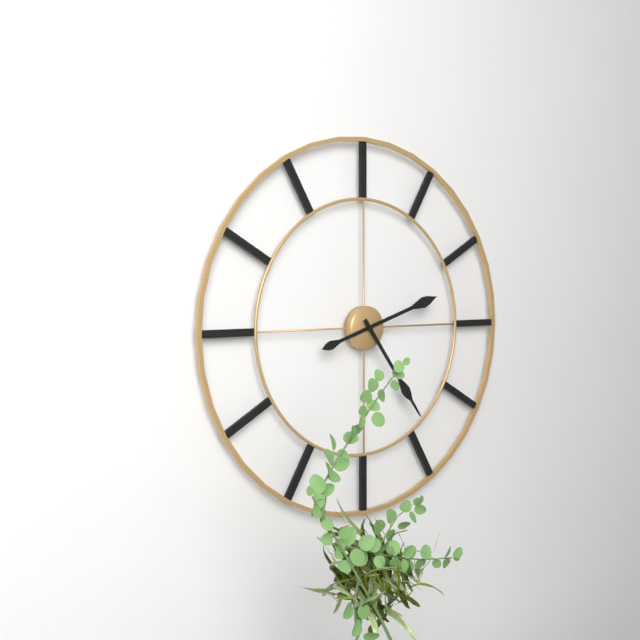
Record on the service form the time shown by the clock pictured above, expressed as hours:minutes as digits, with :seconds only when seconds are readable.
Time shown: 2:24
